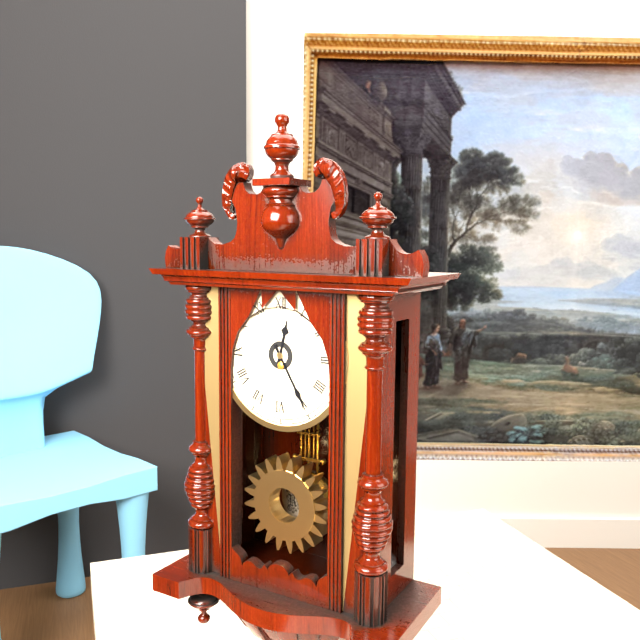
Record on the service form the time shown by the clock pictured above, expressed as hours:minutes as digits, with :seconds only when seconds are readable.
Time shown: 12:25
